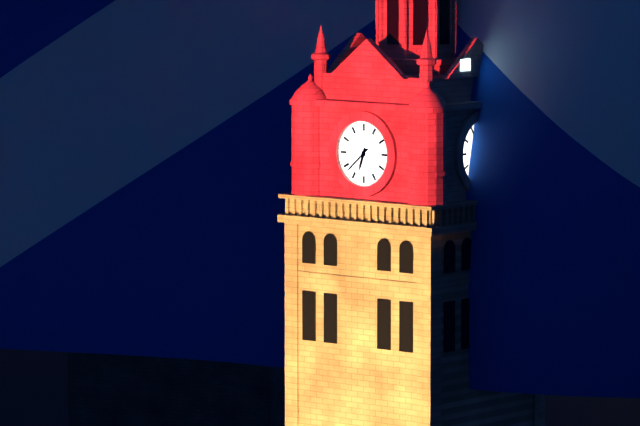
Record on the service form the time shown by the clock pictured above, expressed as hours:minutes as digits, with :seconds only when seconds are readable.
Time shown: 6:38
